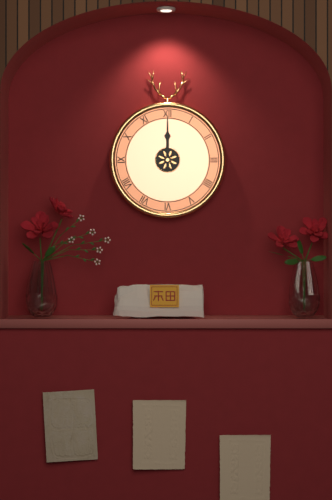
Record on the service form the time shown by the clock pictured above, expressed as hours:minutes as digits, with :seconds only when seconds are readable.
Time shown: 12:00
